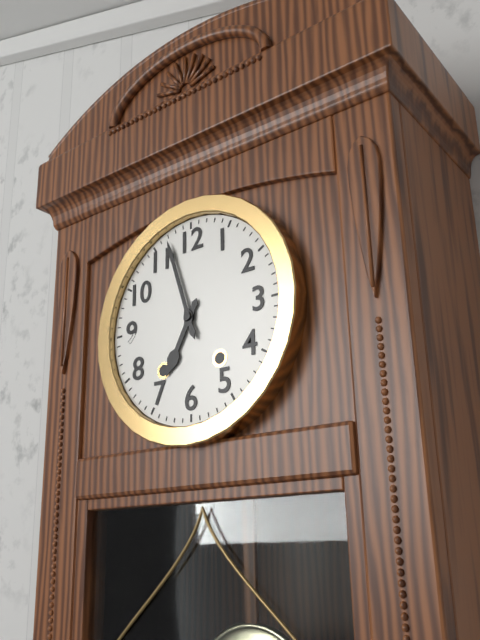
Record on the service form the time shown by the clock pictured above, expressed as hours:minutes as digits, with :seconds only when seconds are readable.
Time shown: 6:57
